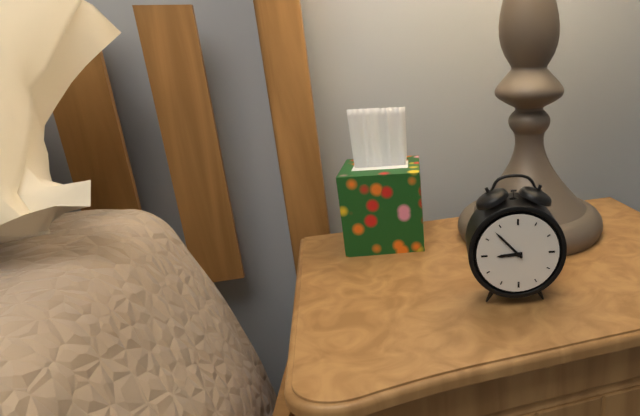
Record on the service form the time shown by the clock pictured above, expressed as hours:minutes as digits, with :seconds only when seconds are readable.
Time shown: 8:53
